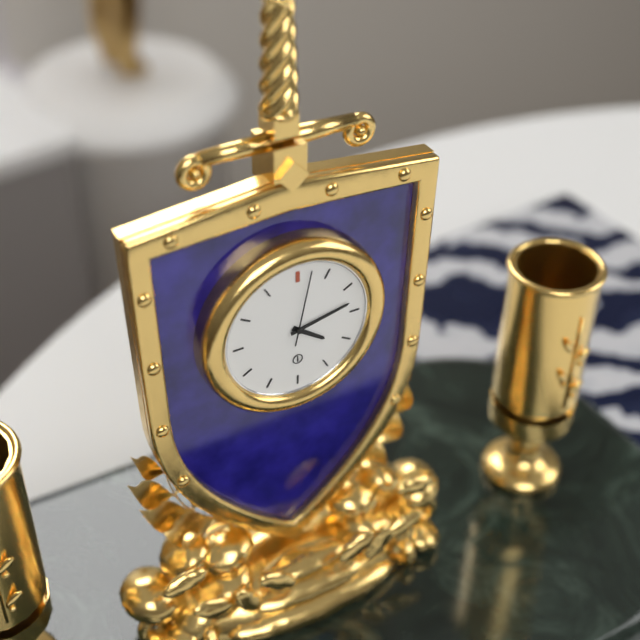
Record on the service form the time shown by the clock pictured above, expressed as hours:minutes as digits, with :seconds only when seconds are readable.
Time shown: 4:13:02
